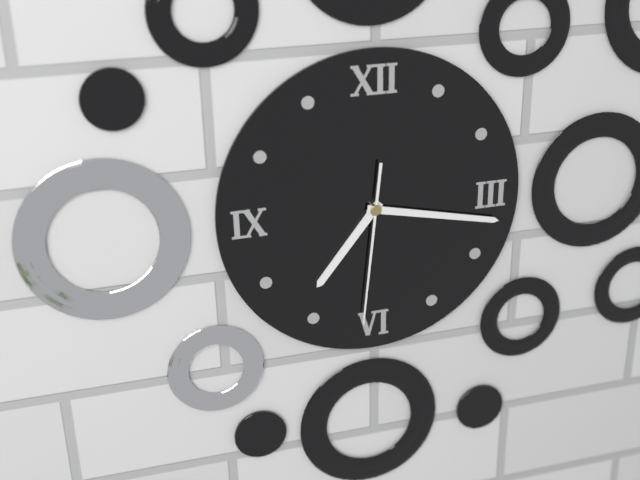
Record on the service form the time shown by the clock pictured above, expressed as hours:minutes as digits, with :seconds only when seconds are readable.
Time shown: 7:17:31
